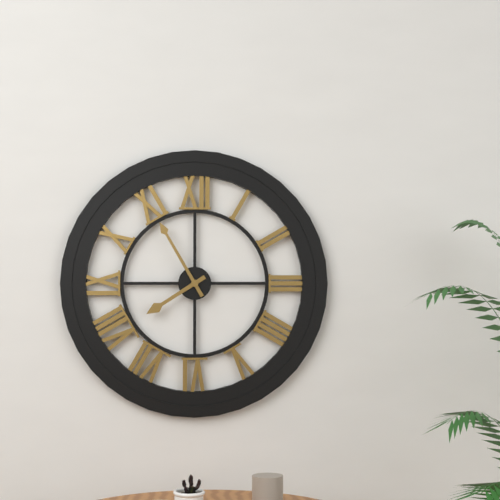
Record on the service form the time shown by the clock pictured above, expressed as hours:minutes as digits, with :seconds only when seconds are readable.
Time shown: 7:55
